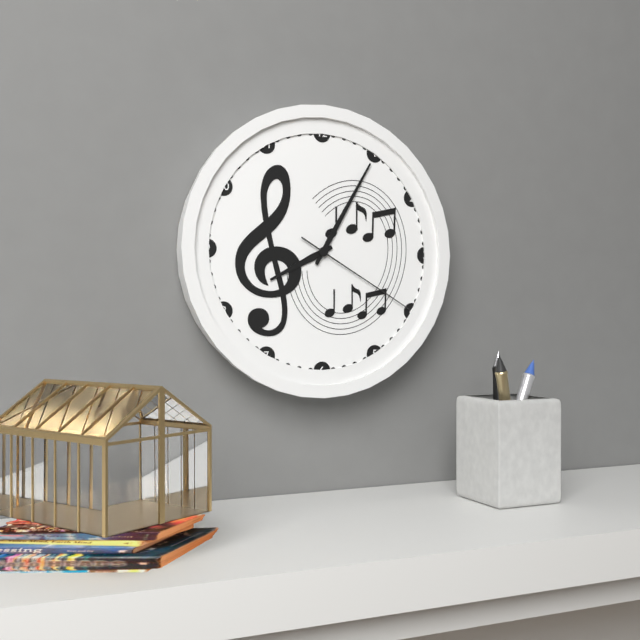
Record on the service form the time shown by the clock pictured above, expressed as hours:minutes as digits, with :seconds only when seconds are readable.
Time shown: 8:05:20
